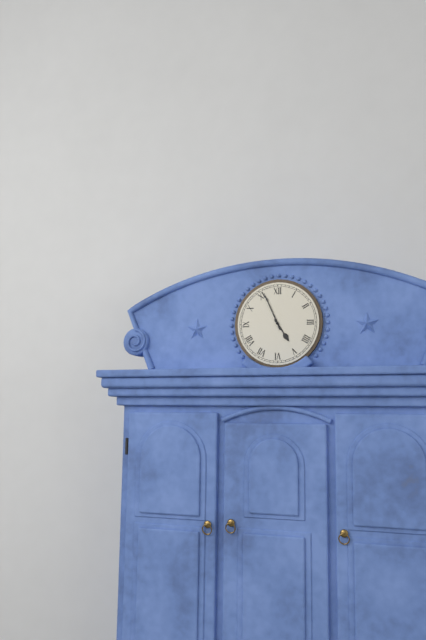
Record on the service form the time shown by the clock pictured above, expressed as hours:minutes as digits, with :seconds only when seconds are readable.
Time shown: 4:56
